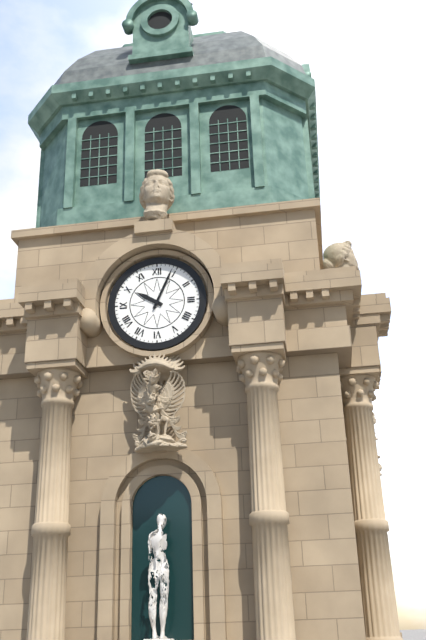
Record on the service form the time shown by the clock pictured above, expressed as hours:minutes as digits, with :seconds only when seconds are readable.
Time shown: 10:04
